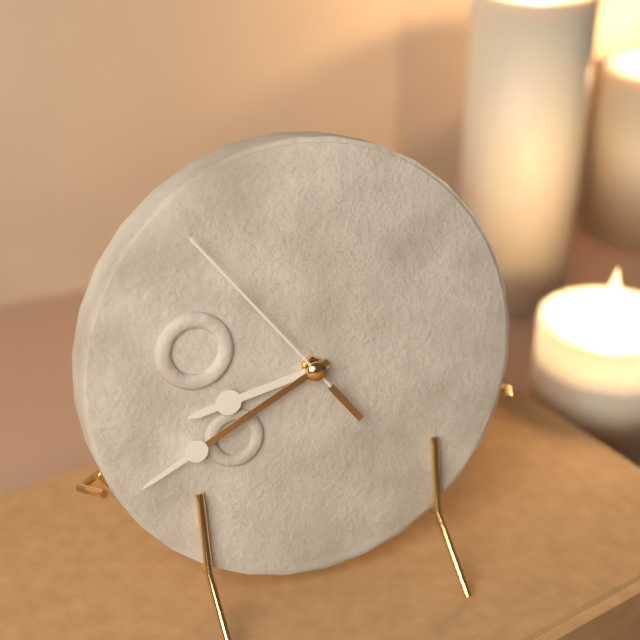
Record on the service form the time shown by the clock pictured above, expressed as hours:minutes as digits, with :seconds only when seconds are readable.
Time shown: 8:41:54
